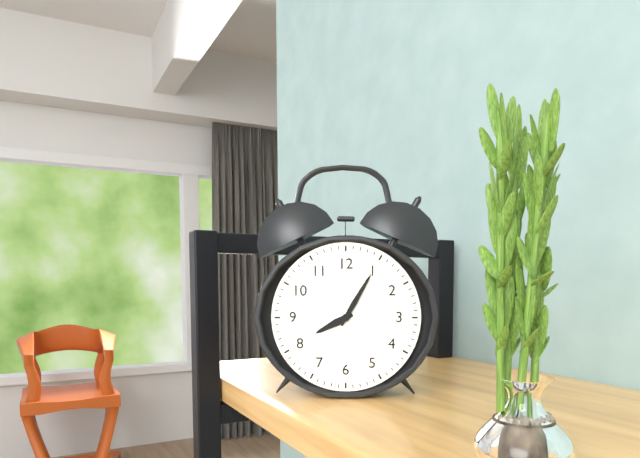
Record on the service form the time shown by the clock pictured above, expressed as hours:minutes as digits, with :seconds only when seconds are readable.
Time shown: 8:05
